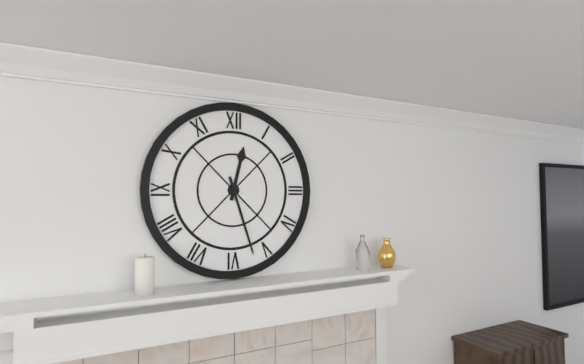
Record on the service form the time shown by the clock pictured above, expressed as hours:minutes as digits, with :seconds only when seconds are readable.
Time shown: 12:27
